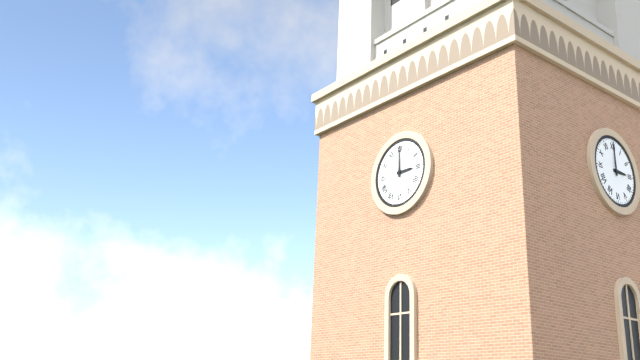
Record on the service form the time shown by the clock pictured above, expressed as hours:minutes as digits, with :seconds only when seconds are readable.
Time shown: 3:00
